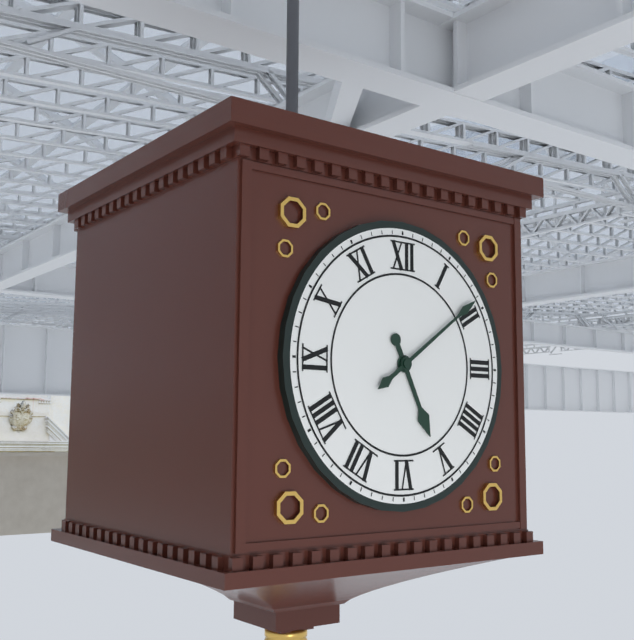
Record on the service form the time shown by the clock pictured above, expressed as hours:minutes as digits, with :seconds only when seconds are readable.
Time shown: 5:09
